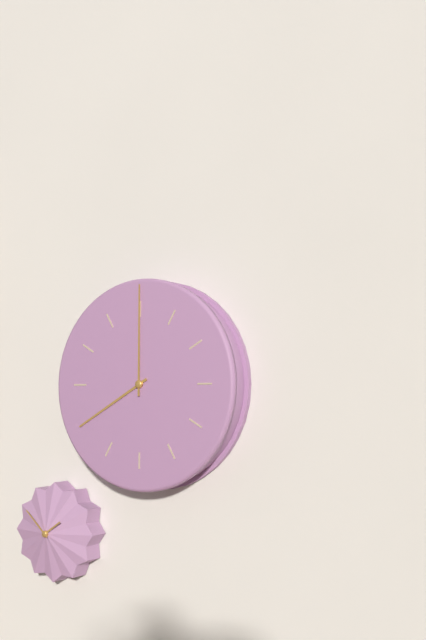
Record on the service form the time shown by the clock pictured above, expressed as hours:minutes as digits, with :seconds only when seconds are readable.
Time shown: 8:00
